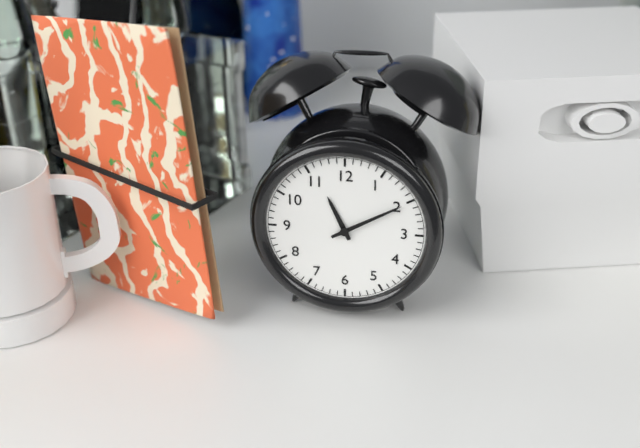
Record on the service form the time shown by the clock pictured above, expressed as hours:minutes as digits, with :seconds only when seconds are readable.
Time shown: 11:10
